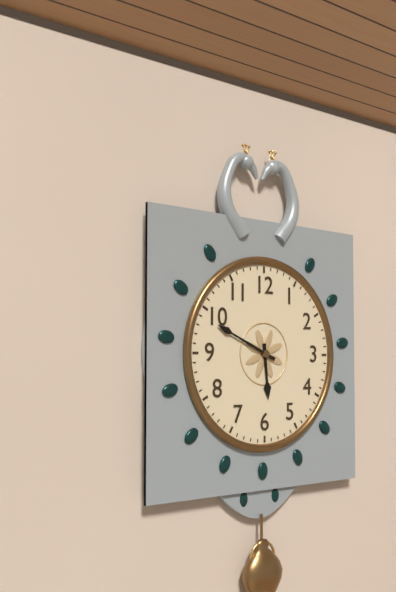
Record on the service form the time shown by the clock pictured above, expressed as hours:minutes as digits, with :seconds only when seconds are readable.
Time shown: 5:49
